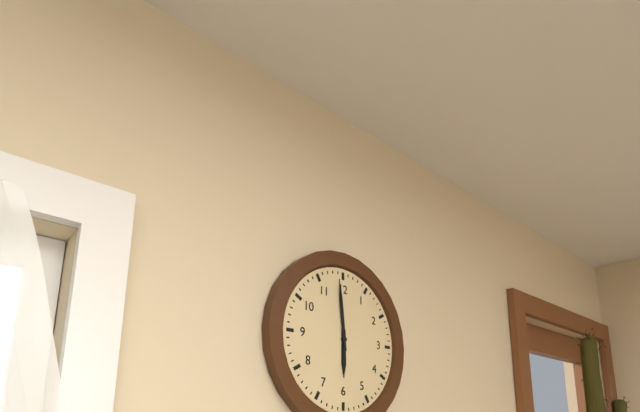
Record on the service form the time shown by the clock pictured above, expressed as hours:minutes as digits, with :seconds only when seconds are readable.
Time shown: 5:59
